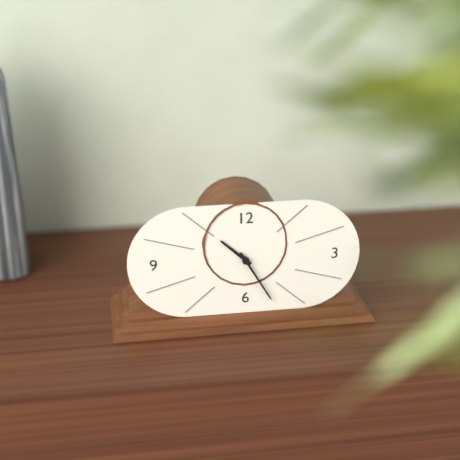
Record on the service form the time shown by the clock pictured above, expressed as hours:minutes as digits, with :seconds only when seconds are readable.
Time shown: 10:25
